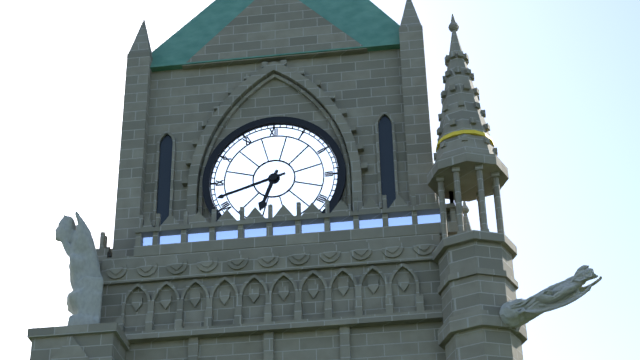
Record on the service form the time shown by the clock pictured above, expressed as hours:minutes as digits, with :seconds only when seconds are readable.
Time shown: 6:42
